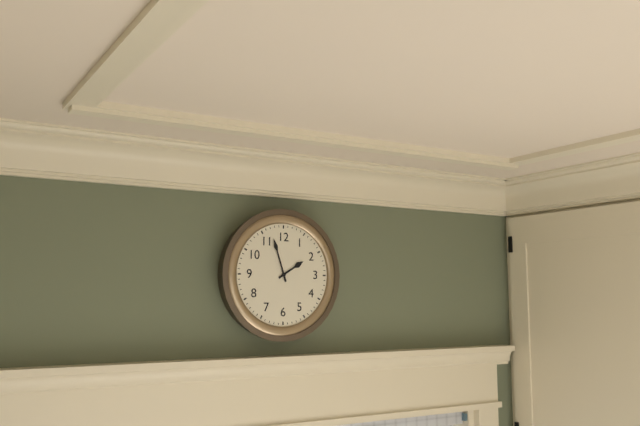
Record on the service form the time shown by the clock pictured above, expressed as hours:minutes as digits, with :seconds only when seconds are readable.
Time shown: 1:57
